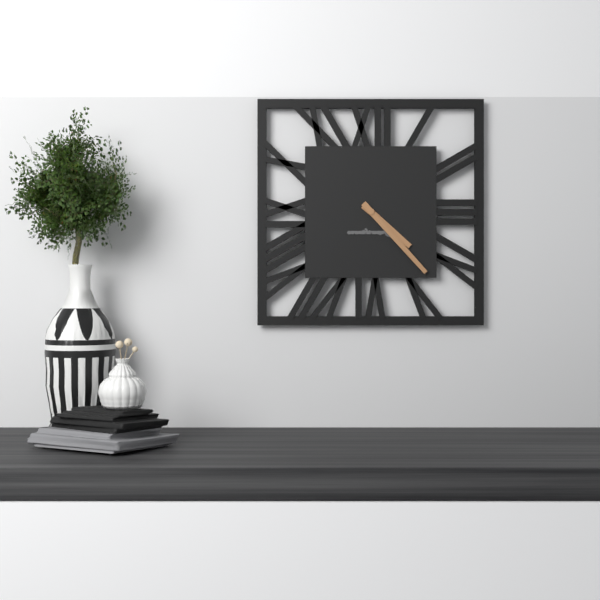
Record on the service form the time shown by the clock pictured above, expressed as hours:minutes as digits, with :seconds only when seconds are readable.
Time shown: 4:23
